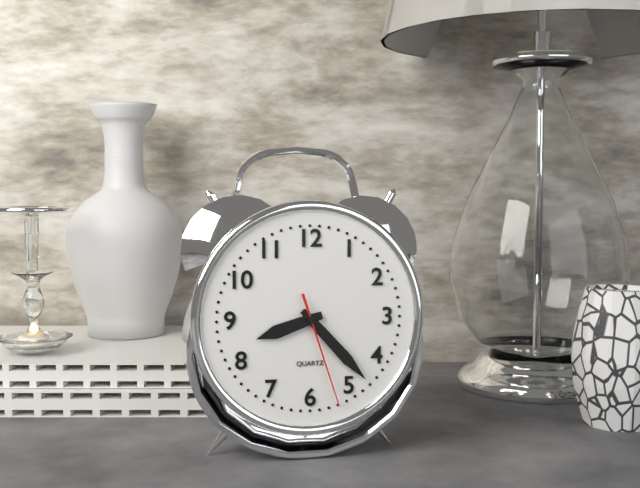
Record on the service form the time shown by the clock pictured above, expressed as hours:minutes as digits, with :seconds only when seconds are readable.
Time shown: 8:23:27
